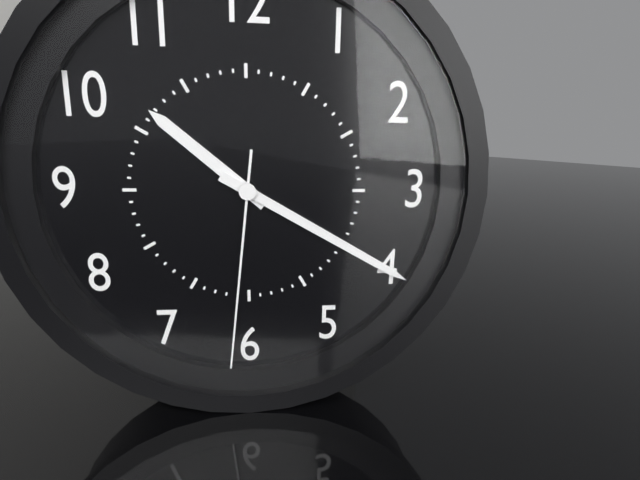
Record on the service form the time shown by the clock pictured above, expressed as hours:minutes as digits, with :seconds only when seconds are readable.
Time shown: 10:20:31
